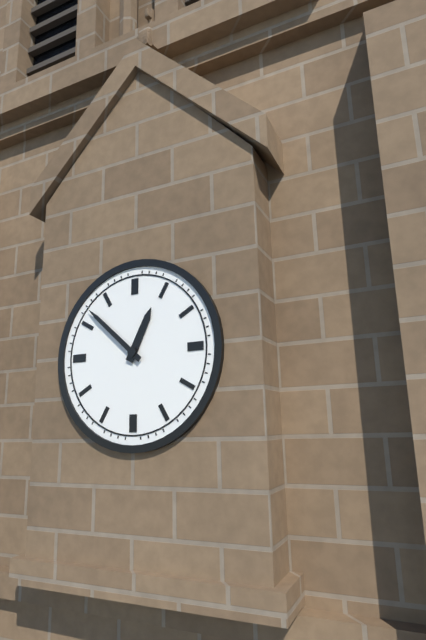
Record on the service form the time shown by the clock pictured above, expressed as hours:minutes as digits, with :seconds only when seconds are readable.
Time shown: 12:52
